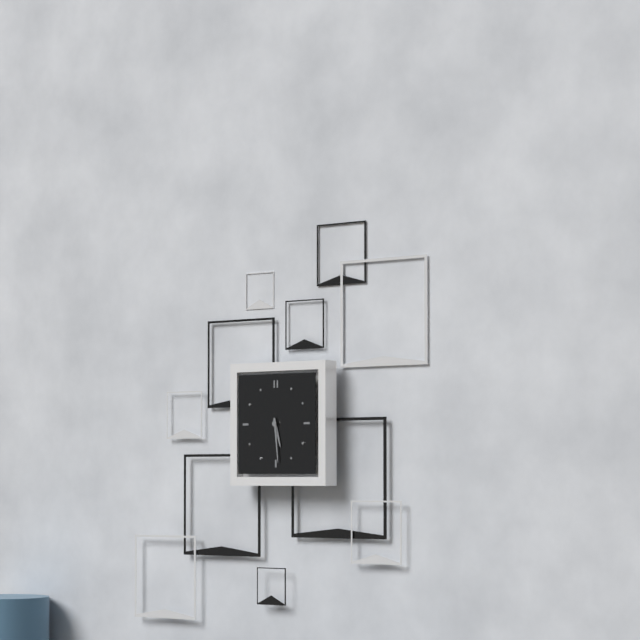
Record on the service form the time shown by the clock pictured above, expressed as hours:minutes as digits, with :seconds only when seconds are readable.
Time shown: 5:29
